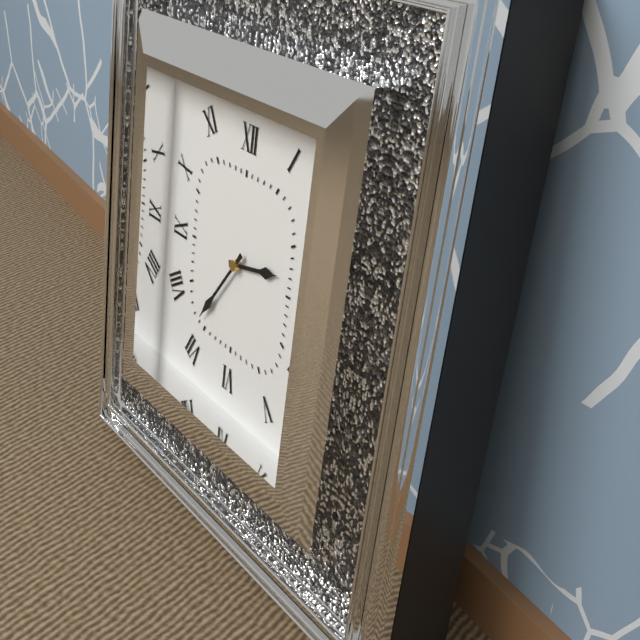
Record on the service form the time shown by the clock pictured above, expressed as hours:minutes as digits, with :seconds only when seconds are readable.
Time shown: 2:36
